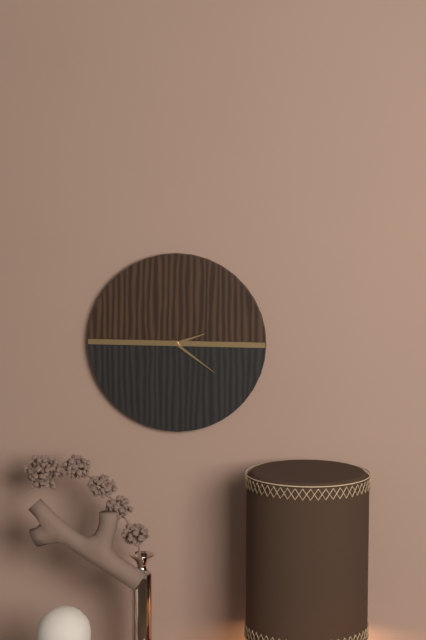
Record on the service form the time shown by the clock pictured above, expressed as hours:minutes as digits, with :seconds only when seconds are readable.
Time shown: 2:21
